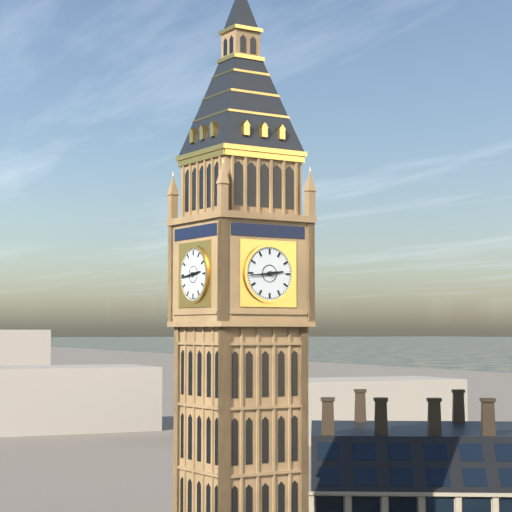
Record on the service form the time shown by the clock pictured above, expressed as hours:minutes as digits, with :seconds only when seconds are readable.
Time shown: 2:44
